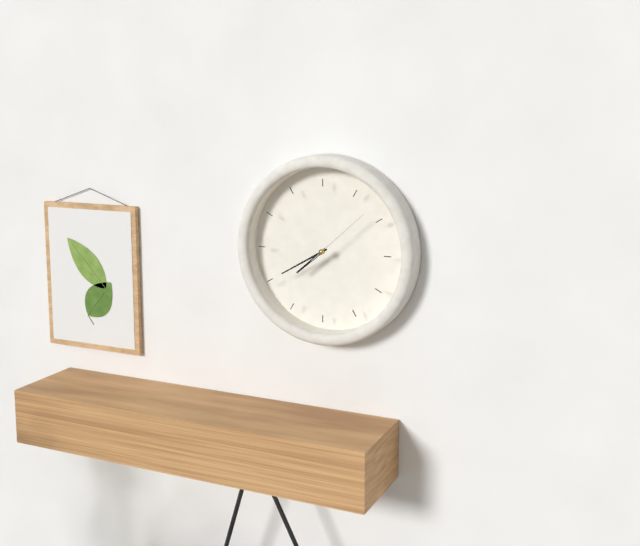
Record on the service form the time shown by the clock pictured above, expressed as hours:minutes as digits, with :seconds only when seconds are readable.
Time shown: 7:40:08
